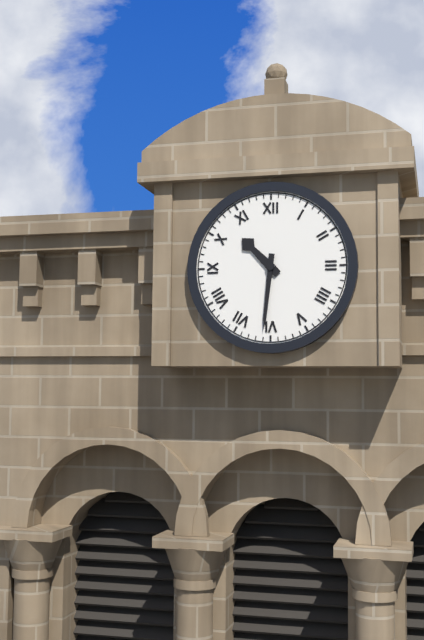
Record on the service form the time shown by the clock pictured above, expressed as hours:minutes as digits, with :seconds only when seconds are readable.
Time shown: 10:31
